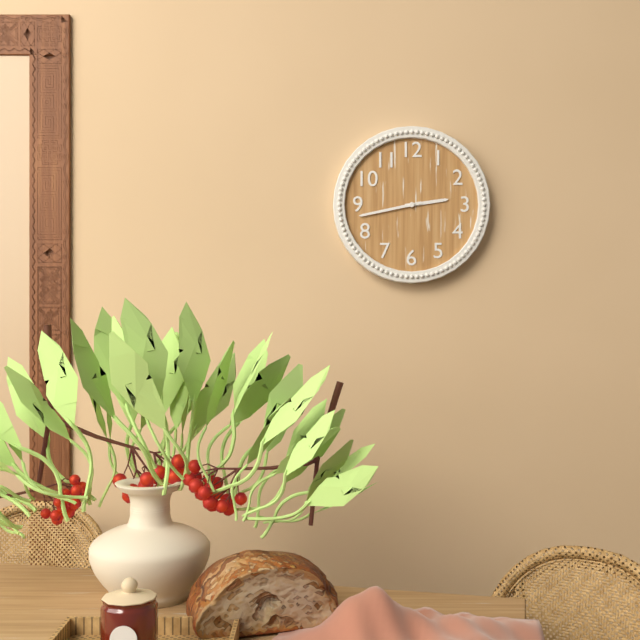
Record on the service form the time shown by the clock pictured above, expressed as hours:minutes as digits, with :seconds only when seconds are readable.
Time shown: 2:43
